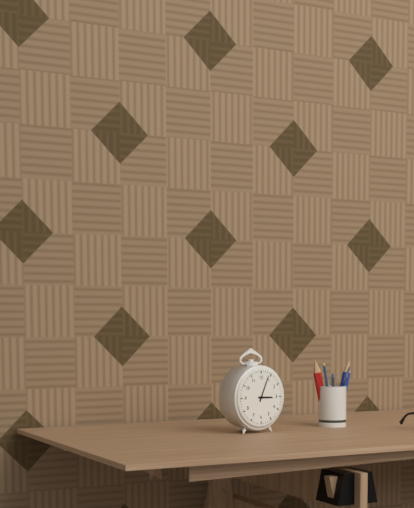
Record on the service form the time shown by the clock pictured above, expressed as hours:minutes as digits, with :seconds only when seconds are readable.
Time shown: 3:04
